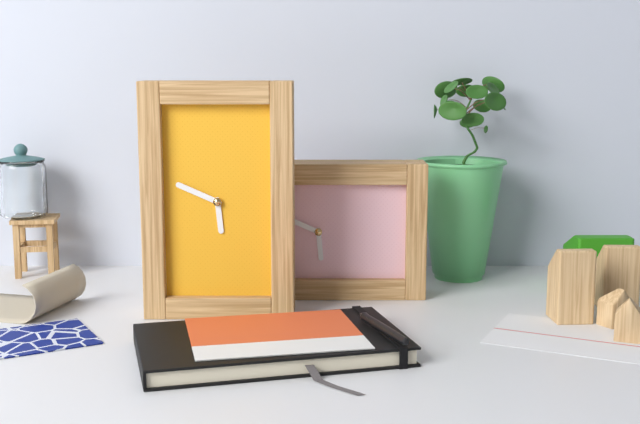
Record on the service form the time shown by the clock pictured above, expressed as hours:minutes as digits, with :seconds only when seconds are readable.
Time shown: 5:49
